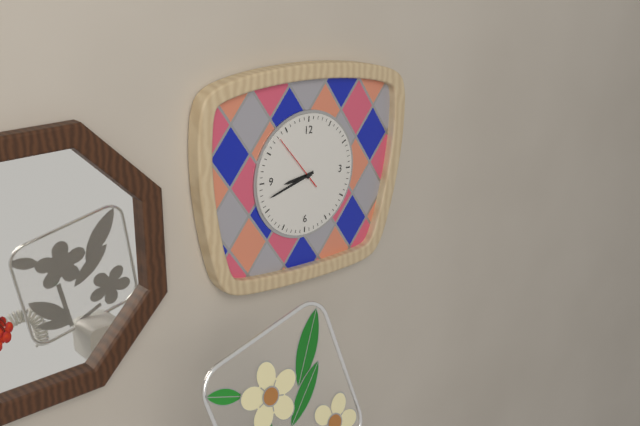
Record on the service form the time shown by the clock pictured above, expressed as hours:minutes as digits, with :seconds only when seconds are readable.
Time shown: 8:42:53
